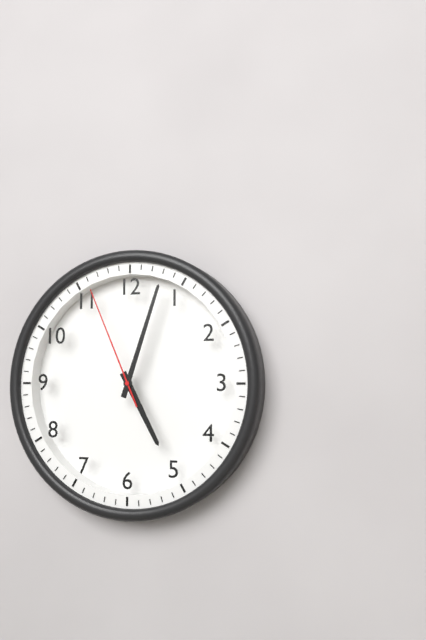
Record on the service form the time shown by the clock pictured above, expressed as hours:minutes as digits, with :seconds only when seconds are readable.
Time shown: 5:03:56
